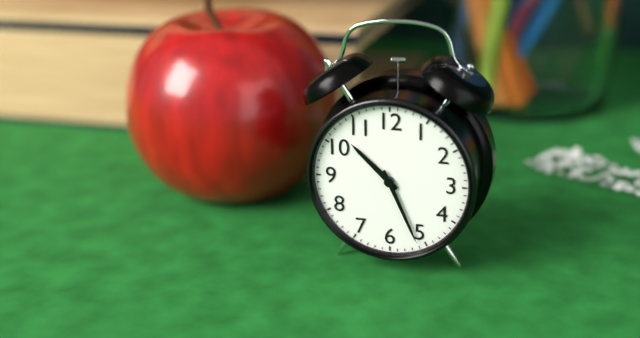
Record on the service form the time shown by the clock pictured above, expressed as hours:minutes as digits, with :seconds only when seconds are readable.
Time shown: 10:26
